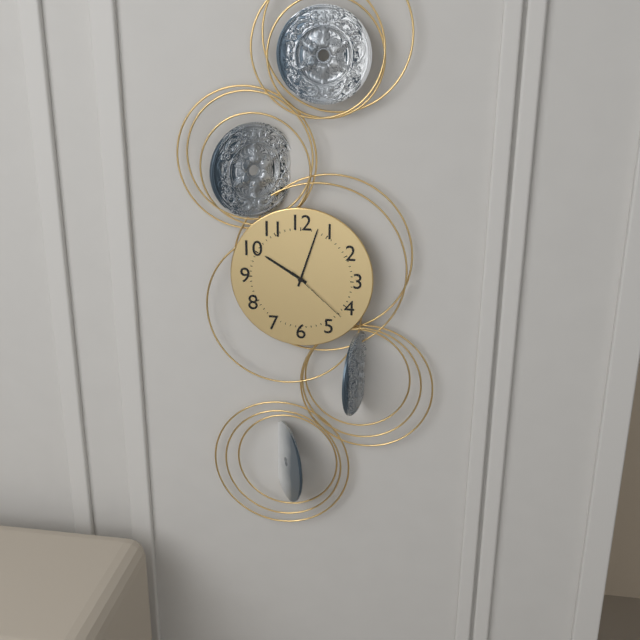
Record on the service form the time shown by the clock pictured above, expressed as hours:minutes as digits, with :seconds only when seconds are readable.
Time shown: 10:03:22
